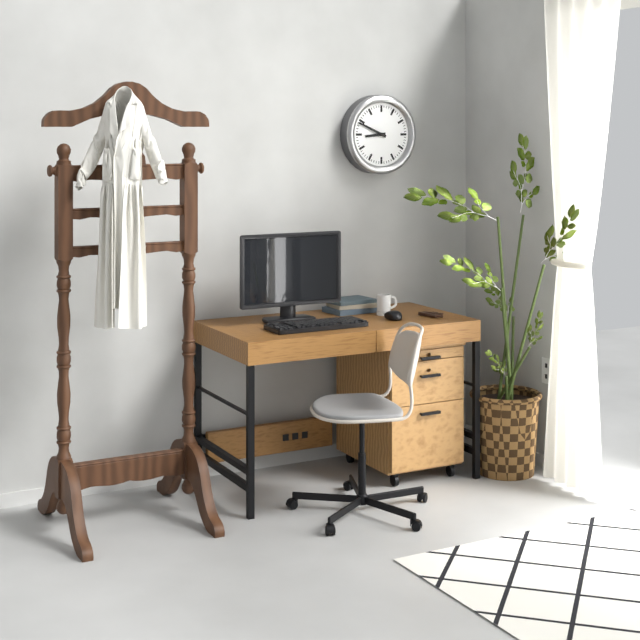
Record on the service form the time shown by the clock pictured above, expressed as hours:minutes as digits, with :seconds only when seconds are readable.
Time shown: 8:49
